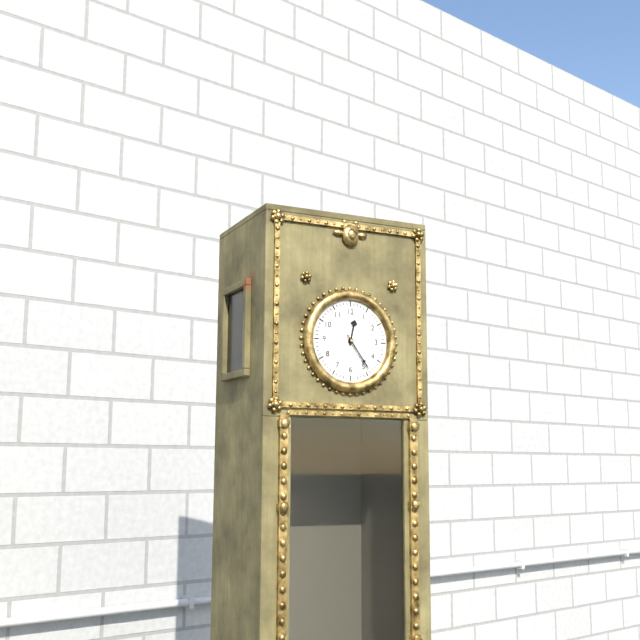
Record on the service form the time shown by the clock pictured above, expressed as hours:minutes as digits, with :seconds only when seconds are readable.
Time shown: 12:24
